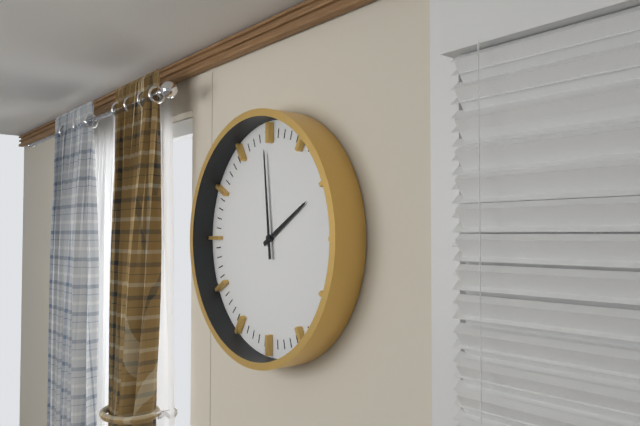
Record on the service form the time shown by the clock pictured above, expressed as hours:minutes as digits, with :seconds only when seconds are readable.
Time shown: 1:59
